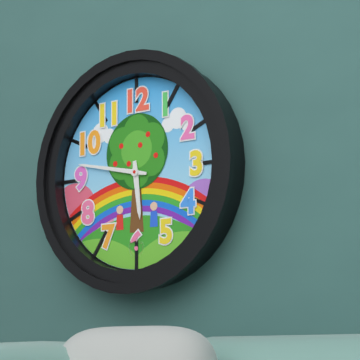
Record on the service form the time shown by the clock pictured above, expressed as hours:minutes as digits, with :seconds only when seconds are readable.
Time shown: 5:47
